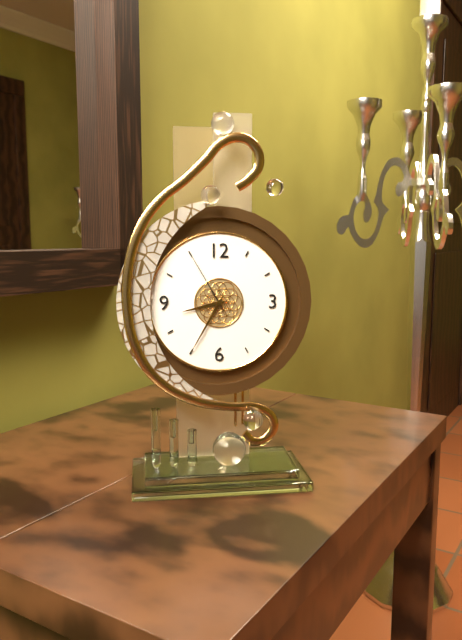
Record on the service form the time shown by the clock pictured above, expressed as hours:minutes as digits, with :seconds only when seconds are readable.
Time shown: 8:35:55
